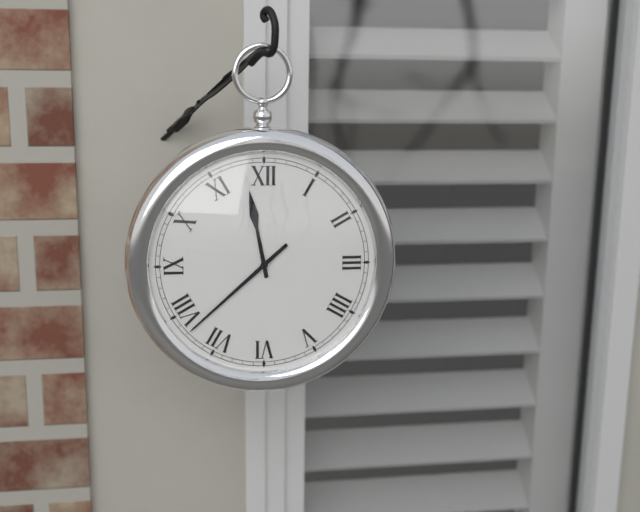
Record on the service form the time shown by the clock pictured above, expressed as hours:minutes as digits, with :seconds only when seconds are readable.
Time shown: 11:38
